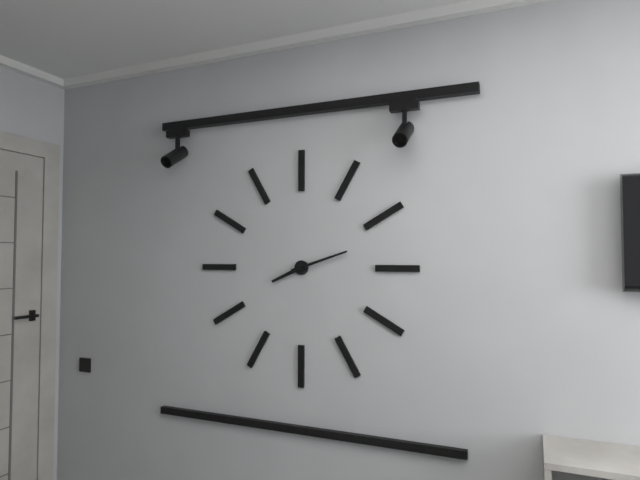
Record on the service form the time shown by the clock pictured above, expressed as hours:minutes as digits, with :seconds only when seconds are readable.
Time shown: 8:12
